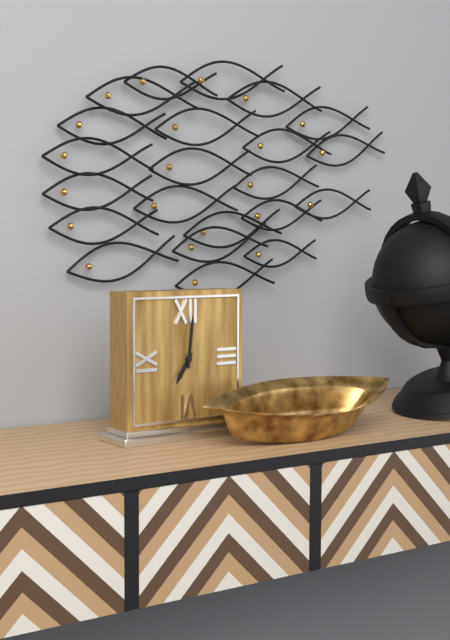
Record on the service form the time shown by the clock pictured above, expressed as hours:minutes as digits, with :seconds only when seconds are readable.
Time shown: 7:01
